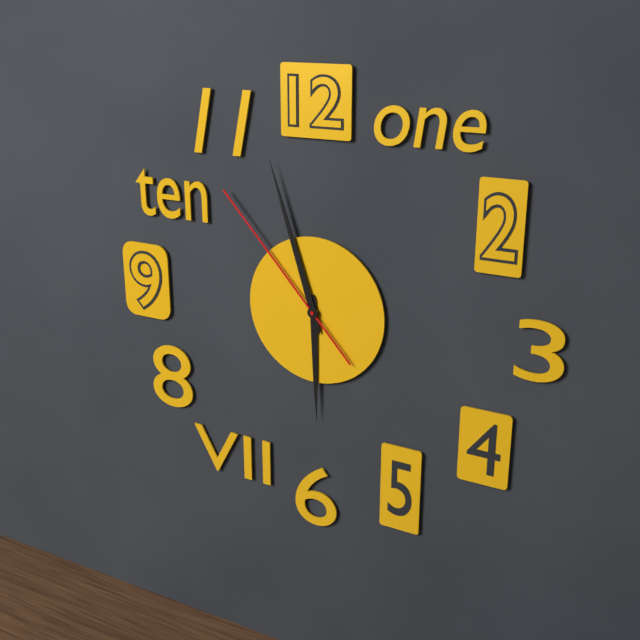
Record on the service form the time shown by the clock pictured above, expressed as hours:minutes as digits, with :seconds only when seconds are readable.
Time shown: 5:57:53
